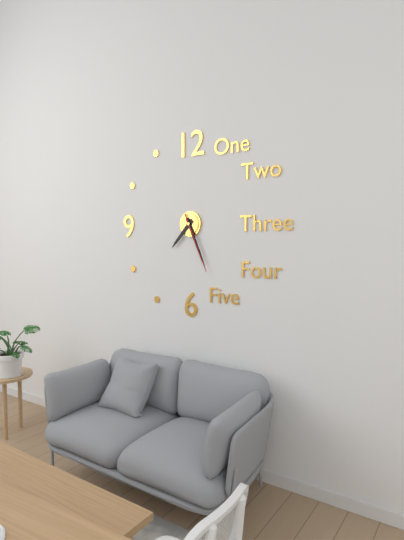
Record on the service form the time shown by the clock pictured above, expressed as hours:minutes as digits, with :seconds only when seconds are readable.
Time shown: 7:26:26
